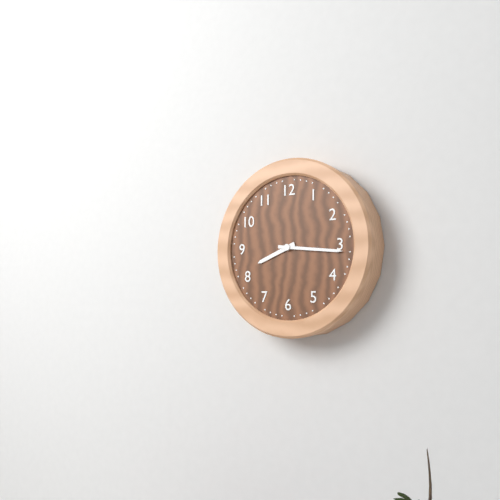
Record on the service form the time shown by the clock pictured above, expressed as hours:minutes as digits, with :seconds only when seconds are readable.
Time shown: 8:16
